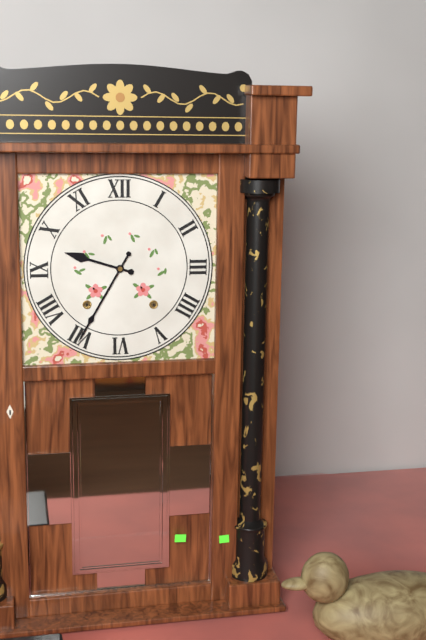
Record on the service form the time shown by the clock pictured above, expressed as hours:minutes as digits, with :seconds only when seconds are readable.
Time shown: 9:35
